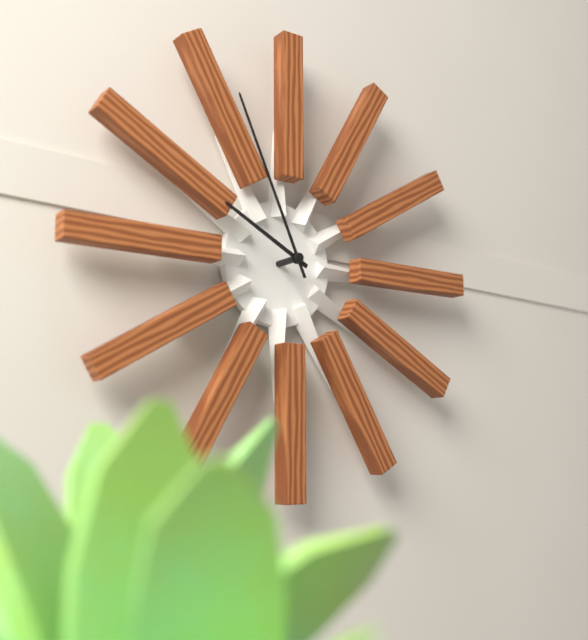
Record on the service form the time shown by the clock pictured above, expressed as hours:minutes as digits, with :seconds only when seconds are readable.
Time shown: 9:56
